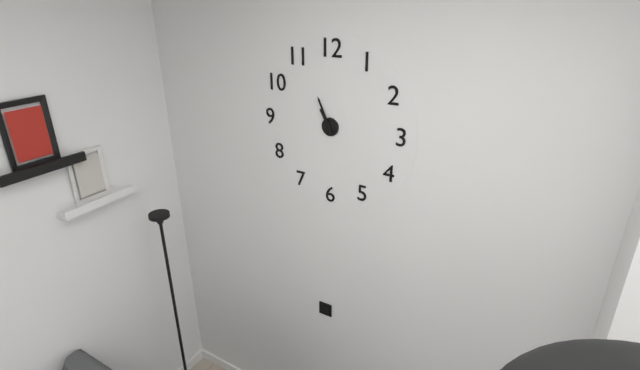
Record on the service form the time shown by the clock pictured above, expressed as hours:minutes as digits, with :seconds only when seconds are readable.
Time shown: 10:56
